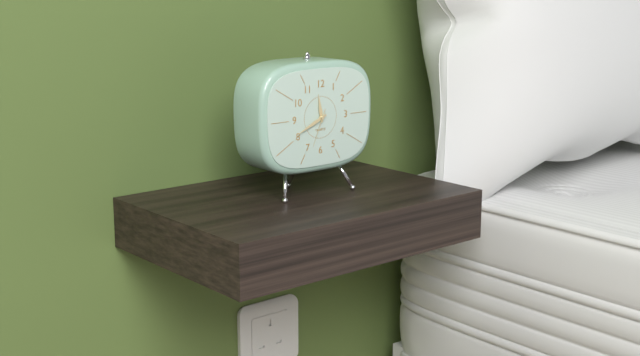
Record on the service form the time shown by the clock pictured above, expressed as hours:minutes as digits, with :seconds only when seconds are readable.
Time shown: 11:41
